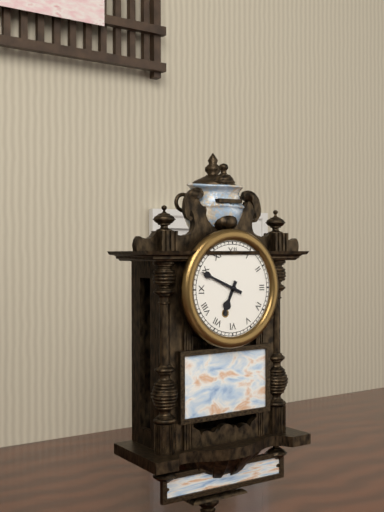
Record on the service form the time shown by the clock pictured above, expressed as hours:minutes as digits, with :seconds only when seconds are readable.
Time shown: 6:49
